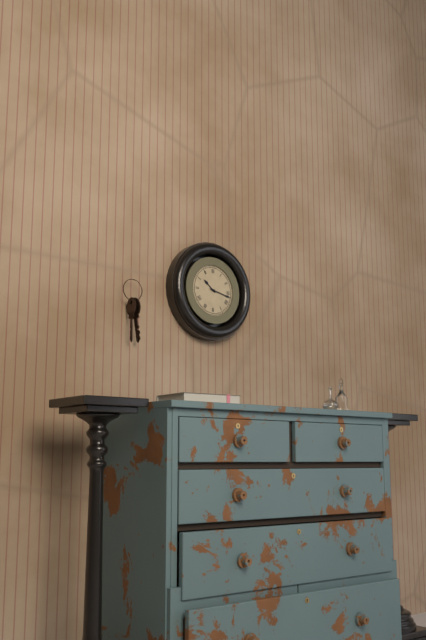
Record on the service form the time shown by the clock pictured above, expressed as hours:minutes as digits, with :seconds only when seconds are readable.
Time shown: 10:17
